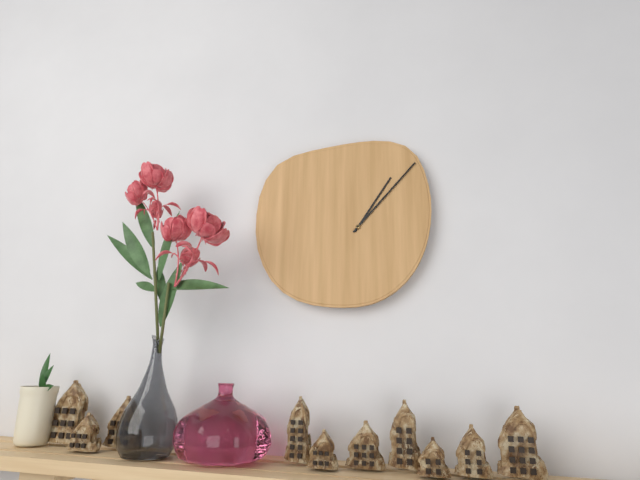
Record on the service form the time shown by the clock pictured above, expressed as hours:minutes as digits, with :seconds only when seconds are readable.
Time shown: 1:07
